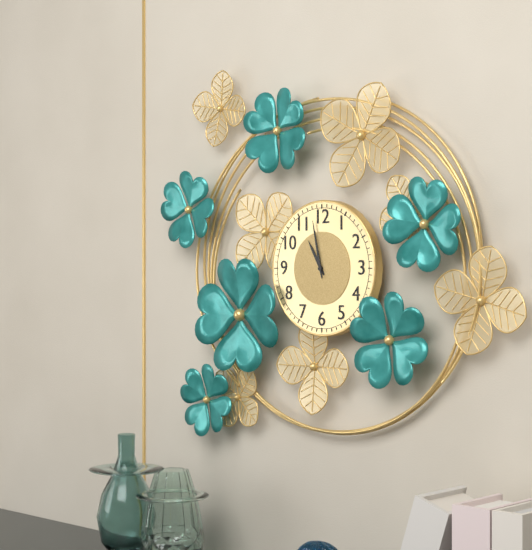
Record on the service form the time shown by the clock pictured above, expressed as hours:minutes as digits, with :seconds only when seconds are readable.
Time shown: 10:58
